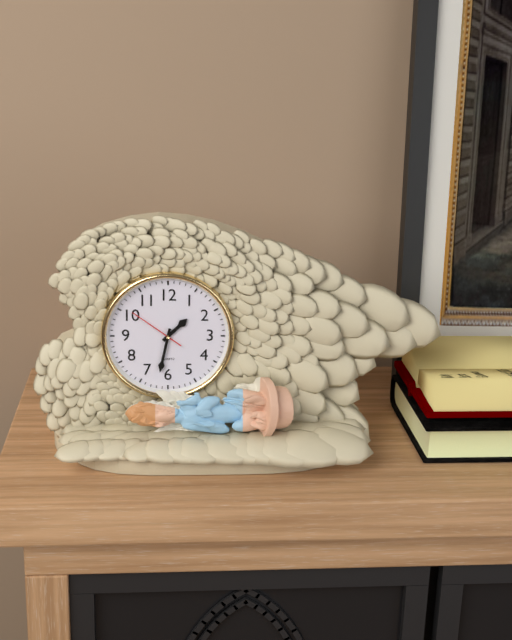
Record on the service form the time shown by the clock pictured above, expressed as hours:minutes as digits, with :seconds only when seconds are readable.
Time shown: 1:32:51
